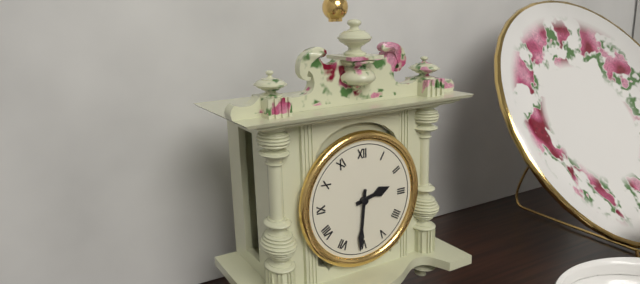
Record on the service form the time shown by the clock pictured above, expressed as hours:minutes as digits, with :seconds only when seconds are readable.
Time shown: 2:31
